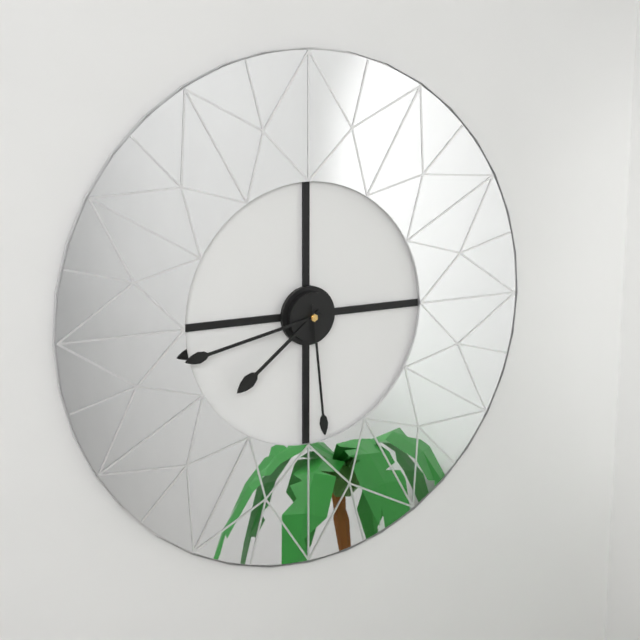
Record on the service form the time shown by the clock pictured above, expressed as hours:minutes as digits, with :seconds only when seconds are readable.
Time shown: 7:43:29
